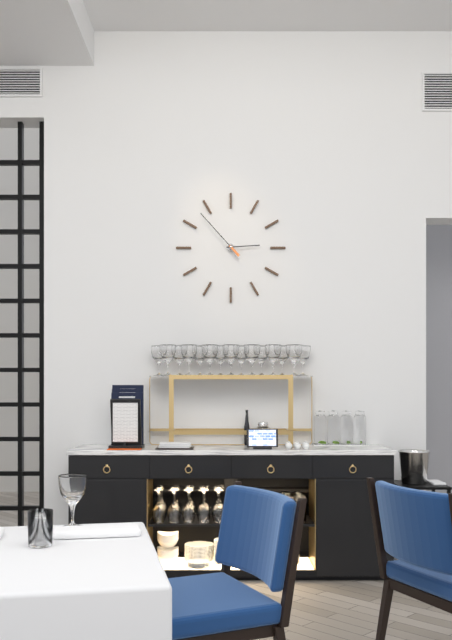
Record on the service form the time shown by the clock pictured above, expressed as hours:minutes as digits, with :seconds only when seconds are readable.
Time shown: 2:53
